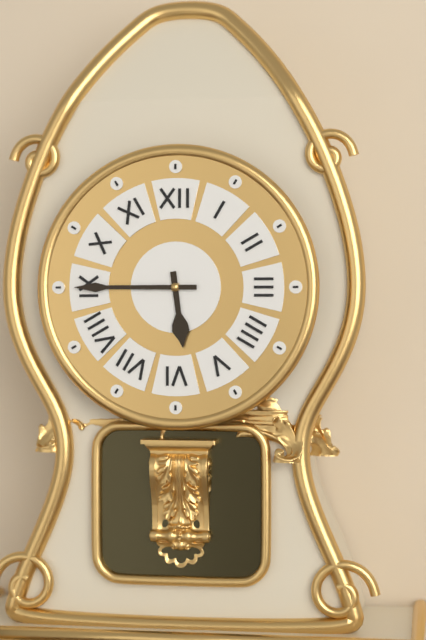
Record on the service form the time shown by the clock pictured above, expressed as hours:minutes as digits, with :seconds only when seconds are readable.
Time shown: 5:45
